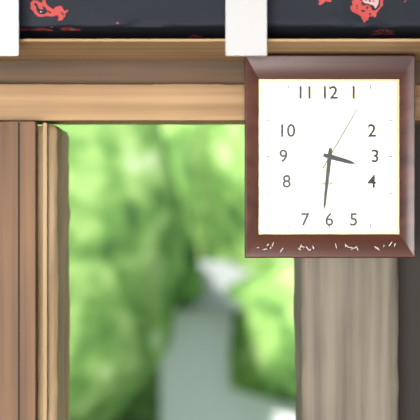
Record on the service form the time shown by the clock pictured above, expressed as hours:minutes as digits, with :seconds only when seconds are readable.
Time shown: 3:31:05
